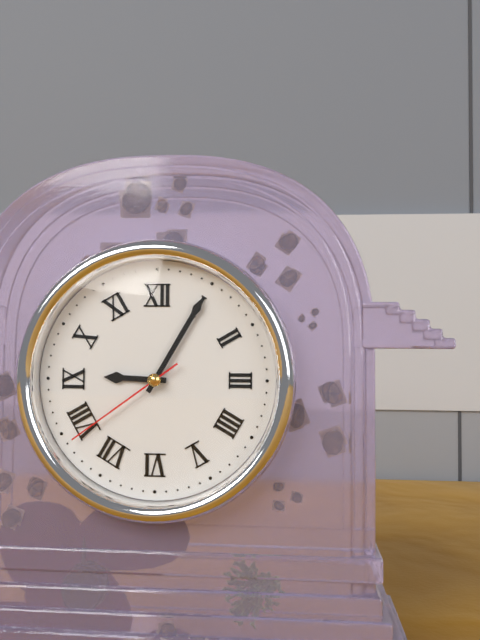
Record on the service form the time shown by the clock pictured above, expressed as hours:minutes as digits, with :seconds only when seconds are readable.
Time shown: 9:05:39
